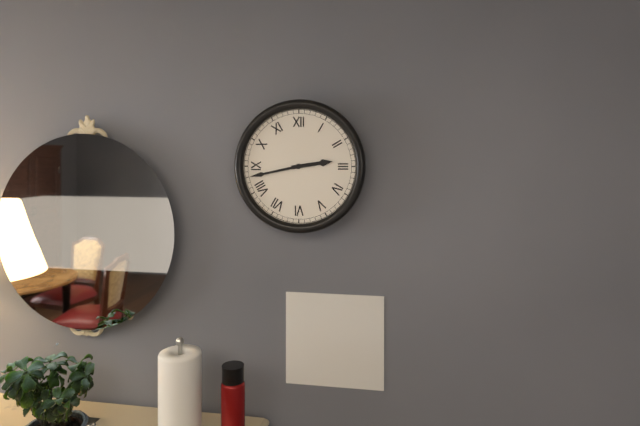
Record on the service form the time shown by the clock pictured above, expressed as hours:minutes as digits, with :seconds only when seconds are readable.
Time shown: 2:43
